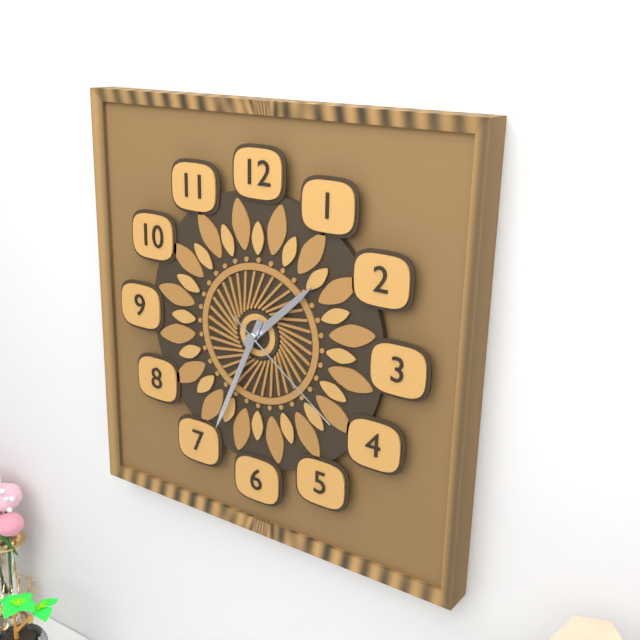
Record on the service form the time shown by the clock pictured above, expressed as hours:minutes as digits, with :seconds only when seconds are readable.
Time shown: 1:34:21
